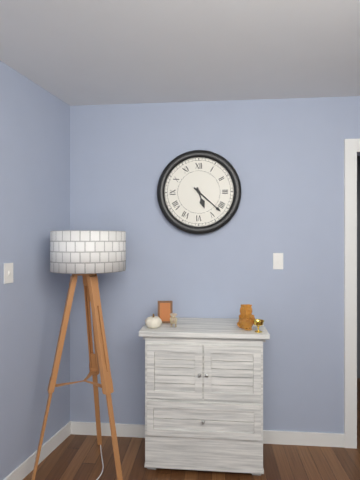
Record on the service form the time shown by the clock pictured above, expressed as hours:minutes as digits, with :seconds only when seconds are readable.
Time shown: 5:22
